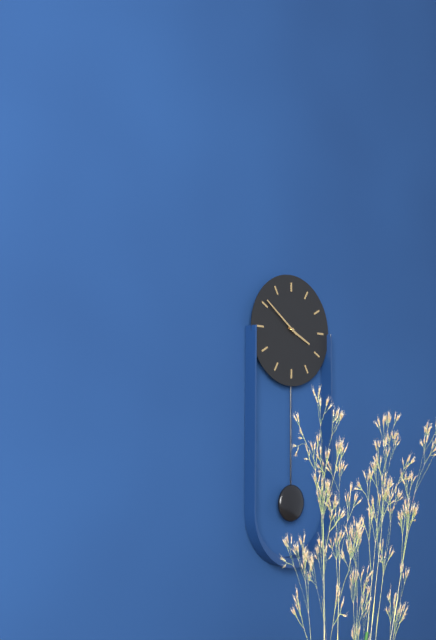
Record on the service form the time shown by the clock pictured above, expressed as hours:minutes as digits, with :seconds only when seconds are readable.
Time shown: 3:51
